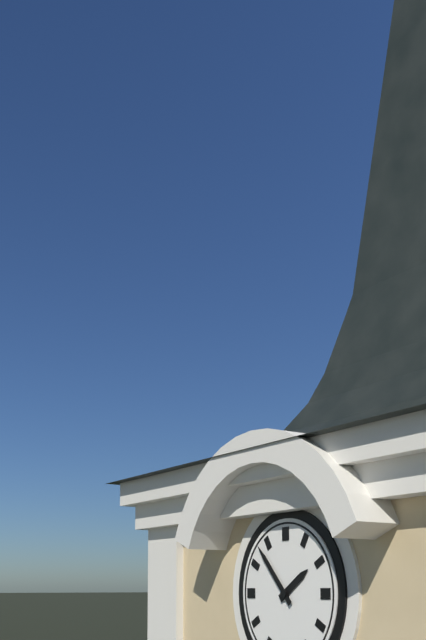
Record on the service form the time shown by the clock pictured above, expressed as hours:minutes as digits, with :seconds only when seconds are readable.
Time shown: 1:53
